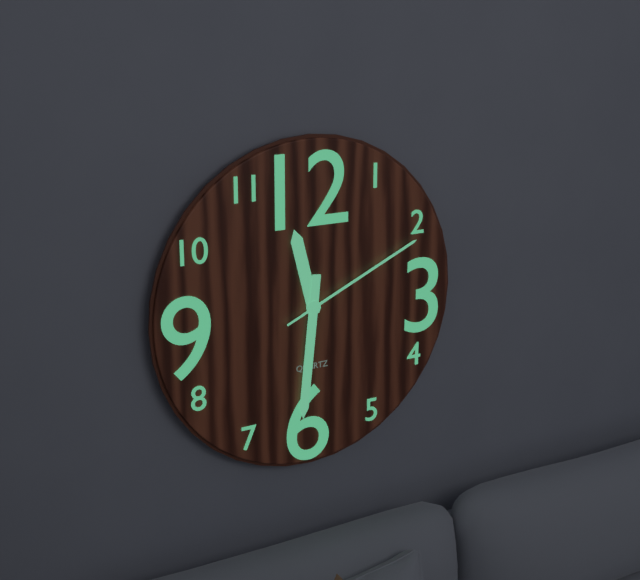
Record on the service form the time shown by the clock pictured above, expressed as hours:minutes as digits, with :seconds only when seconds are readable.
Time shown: 11:31:11
